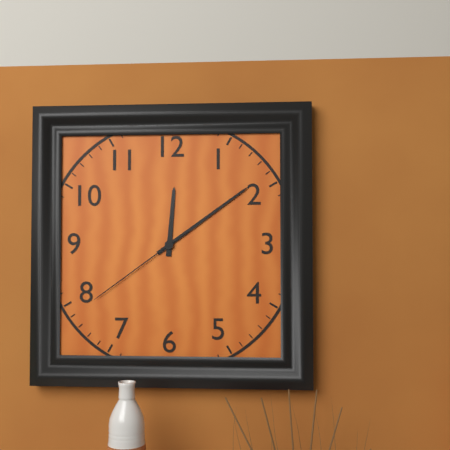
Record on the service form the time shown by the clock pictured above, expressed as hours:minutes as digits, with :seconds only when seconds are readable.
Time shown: 12:09:39
